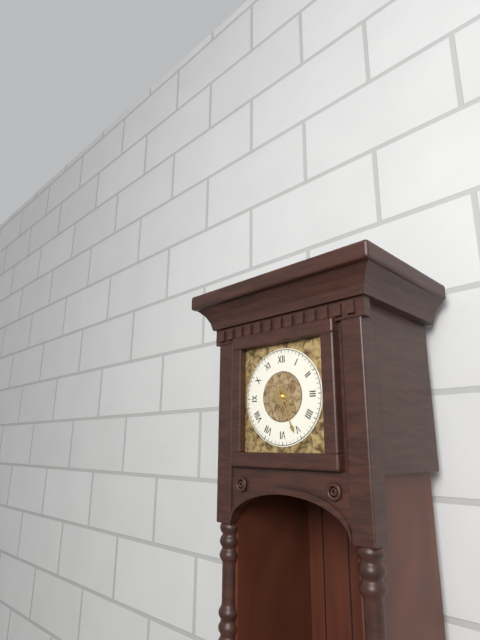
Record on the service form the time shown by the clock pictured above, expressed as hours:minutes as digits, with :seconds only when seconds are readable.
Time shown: 4:26
